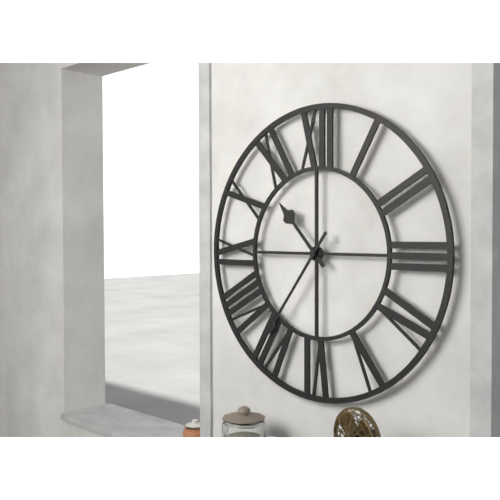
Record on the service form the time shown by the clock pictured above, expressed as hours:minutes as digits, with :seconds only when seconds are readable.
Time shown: 10:36
